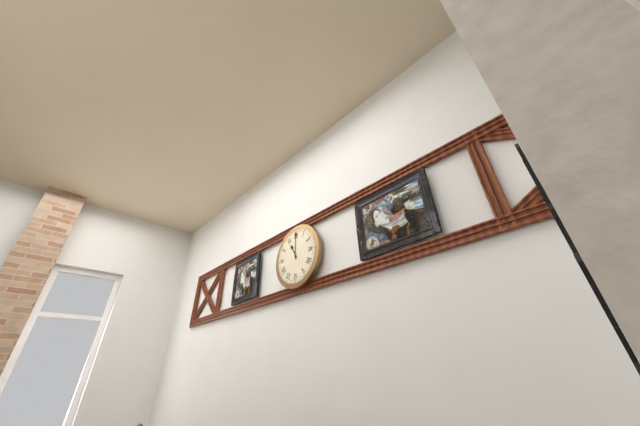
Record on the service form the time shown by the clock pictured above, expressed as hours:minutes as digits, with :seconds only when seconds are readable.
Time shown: 11:00
